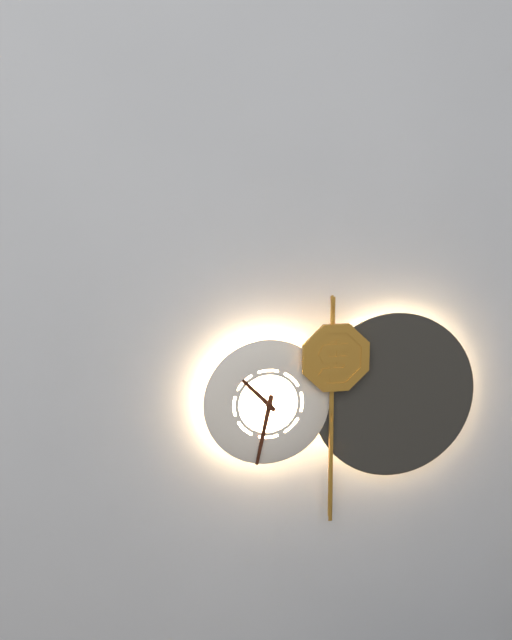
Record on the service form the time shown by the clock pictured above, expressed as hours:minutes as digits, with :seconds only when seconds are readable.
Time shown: 10:32
